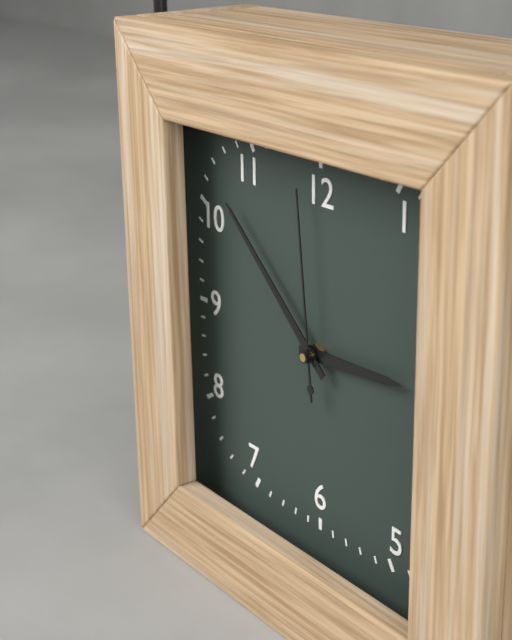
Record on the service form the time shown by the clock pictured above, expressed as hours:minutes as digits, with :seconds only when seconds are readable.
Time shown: 2:52:59
